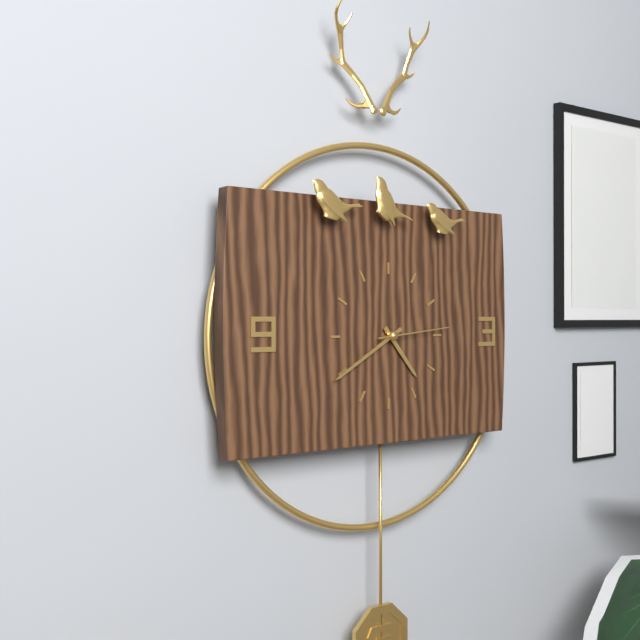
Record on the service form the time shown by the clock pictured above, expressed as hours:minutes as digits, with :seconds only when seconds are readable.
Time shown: 4:40:14
